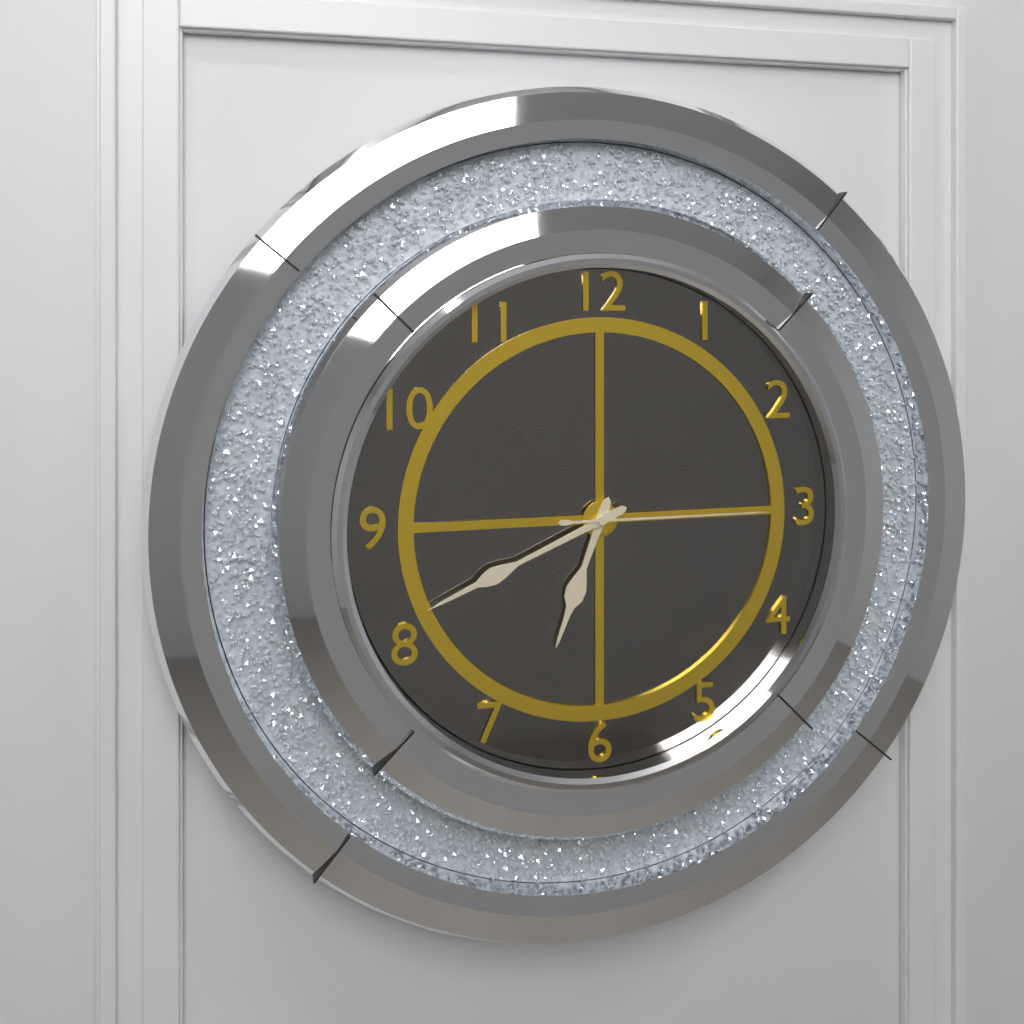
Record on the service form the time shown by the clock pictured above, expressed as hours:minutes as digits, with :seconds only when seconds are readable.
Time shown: 6:41:15
